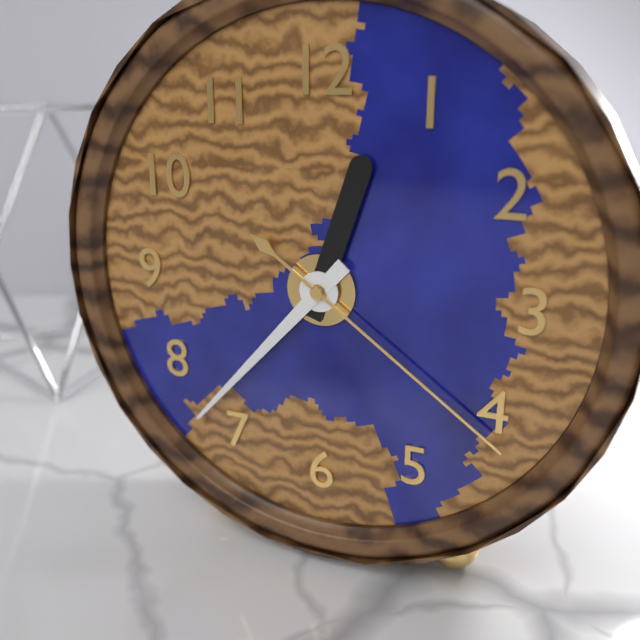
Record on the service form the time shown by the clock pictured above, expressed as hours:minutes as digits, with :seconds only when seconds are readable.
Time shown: 12:37:21
